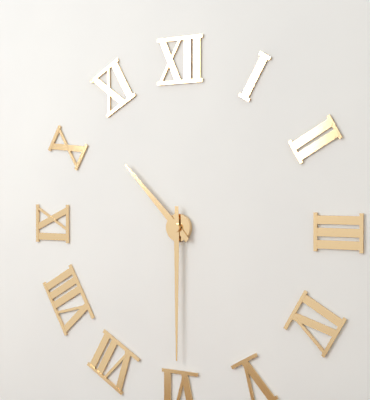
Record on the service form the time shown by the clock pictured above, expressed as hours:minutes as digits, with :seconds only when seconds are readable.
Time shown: 10:30
